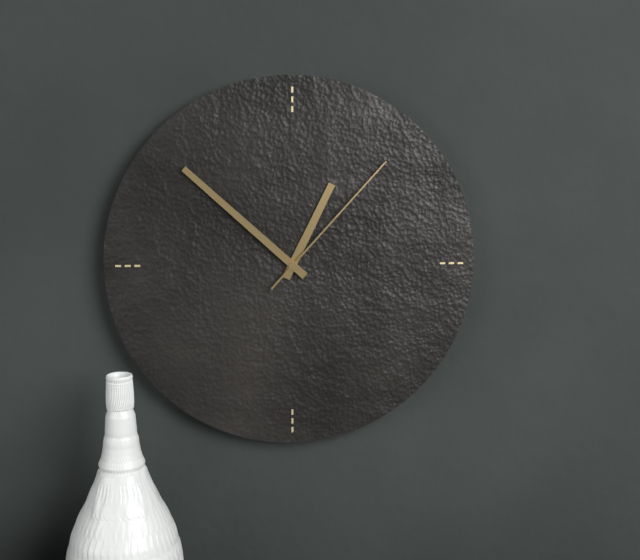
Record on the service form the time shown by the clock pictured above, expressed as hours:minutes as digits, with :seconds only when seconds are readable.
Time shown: 12:52:07
